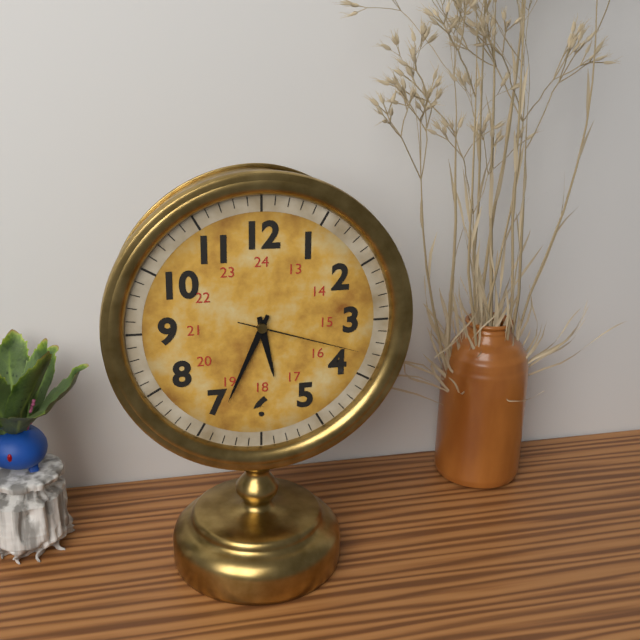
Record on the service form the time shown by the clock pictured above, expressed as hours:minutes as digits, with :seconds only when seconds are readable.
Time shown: 5:34:18
